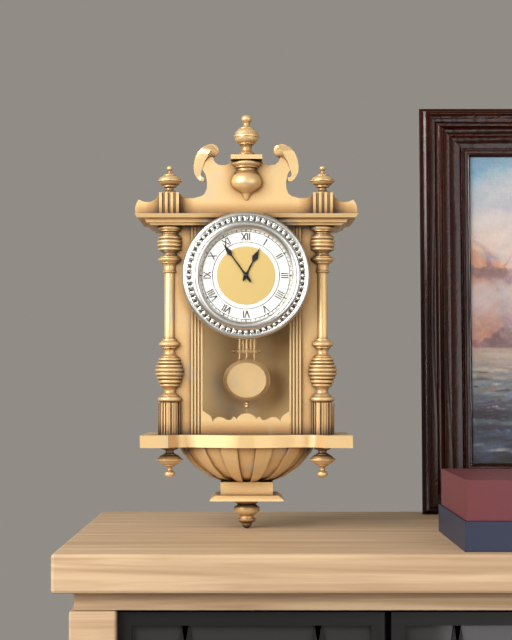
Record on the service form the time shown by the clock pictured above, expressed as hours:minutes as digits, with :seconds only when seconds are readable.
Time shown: 12:54
